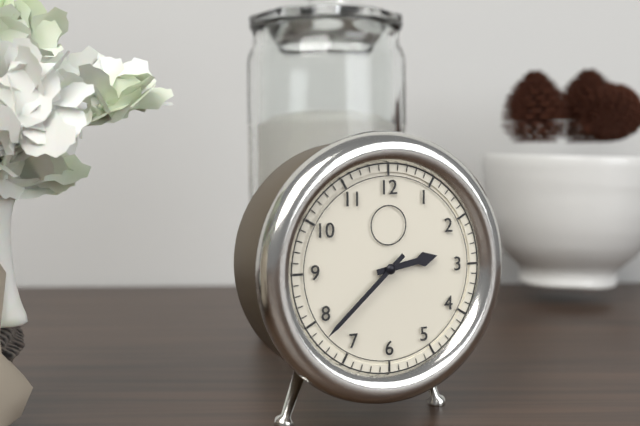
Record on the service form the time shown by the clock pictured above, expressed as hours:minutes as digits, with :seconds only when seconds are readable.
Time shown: 2:38
